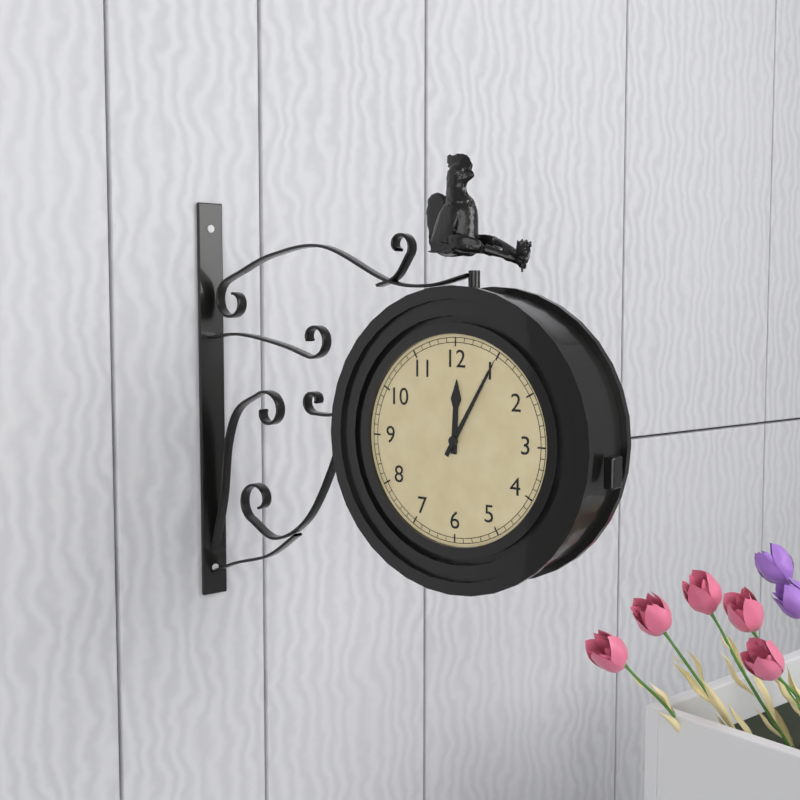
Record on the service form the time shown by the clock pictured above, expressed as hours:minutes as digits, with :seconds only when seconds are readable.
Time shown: 12:05
